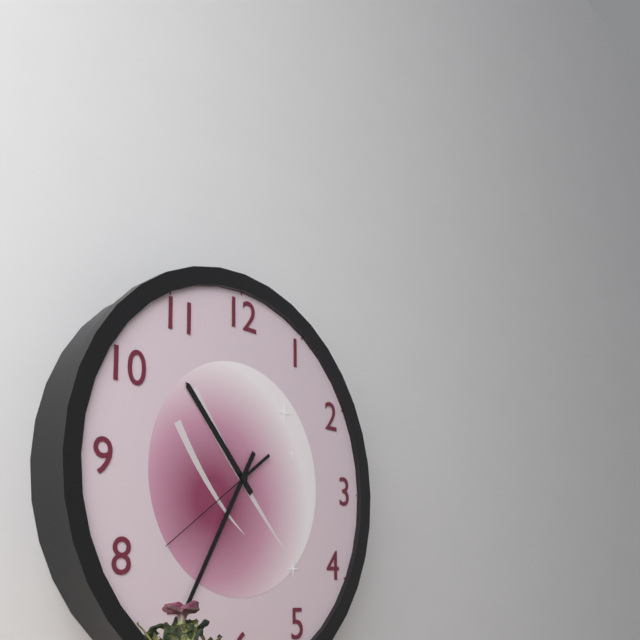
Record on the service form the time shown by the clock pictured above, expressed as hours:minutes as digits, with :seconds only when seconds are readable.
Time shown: 10:35:39
